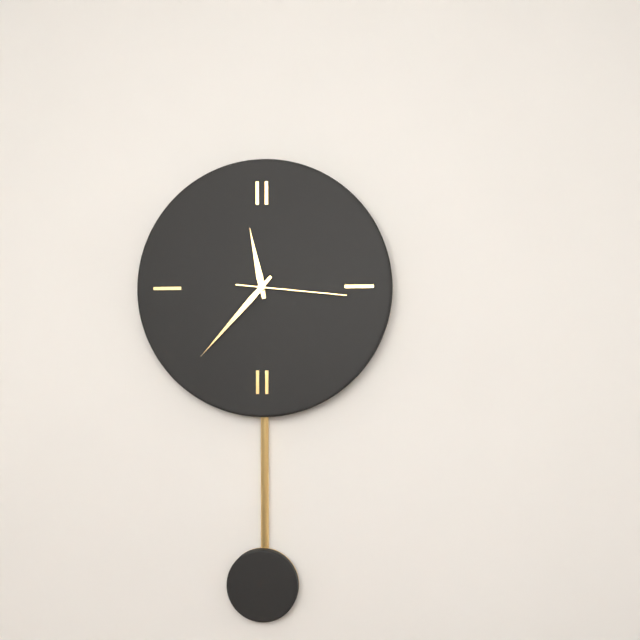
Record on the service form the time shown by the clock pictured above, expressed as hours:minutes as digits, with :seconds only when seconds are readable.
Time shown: 11:37:16
